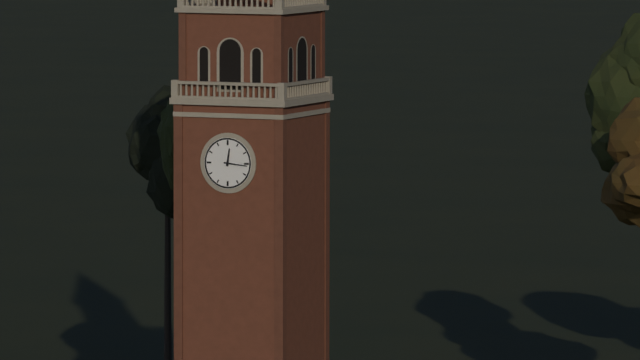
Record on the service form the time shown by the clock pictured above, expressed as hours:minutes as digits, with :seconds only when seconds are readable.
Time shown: 12:16
